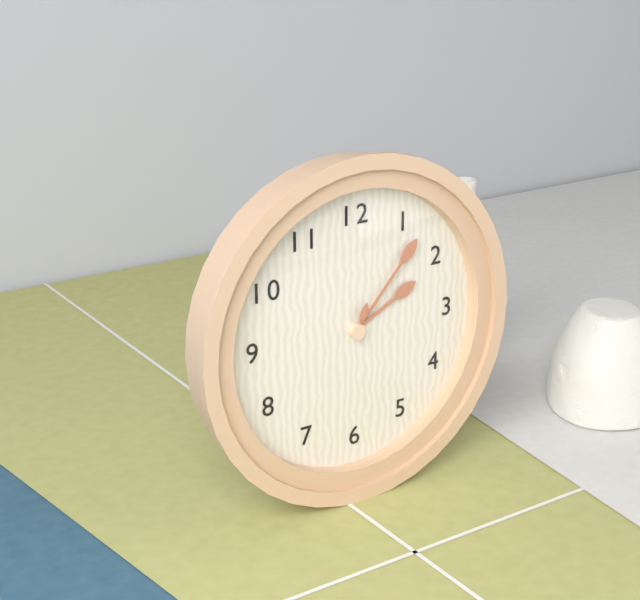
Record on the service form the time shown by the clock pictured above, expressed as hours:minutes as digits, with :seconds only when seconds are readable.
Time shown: 2:07
